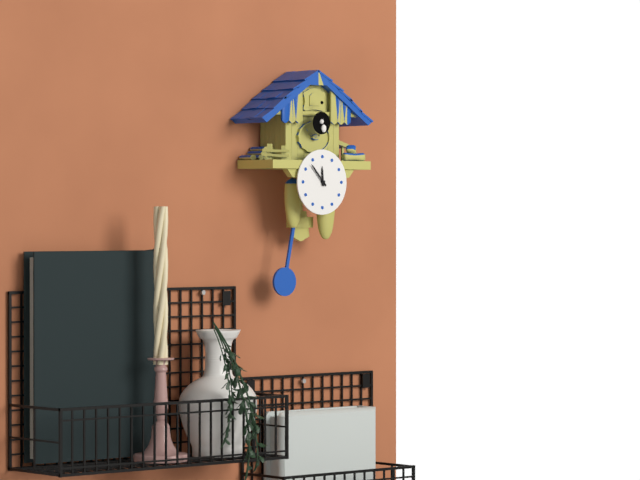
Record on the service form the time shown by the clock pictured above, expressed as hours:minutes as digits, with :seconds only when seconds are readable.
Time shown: 11:53
